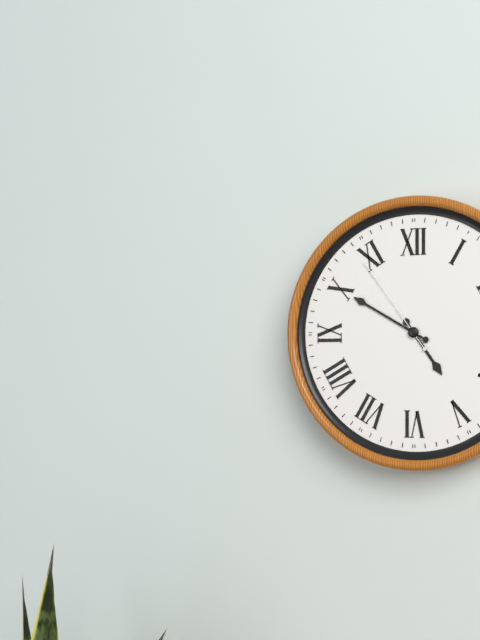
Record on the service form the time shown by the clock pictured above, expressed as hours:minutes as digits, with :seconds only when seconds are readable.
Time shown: 4:50:54
